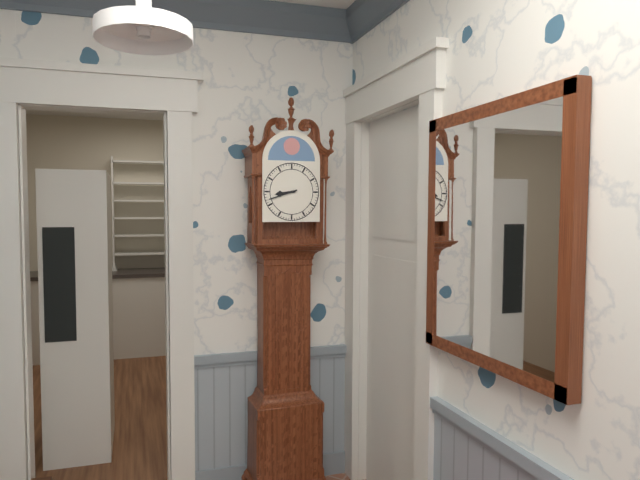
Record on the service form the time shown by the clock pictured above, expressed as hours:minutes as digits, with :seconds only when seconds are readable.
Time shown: 8:42
